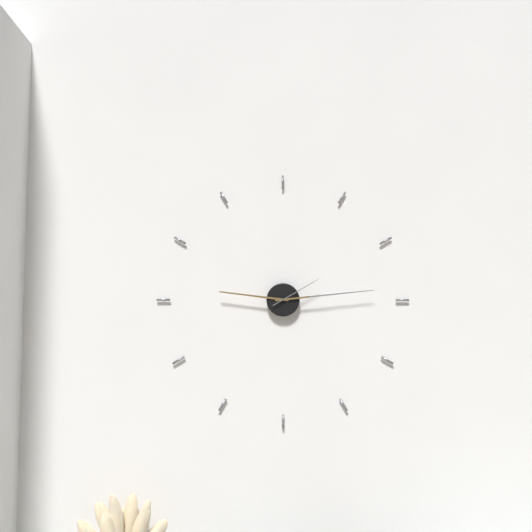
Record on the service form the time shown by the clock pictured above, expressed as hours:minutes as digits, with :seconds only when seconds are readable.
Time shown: 9:14:10
